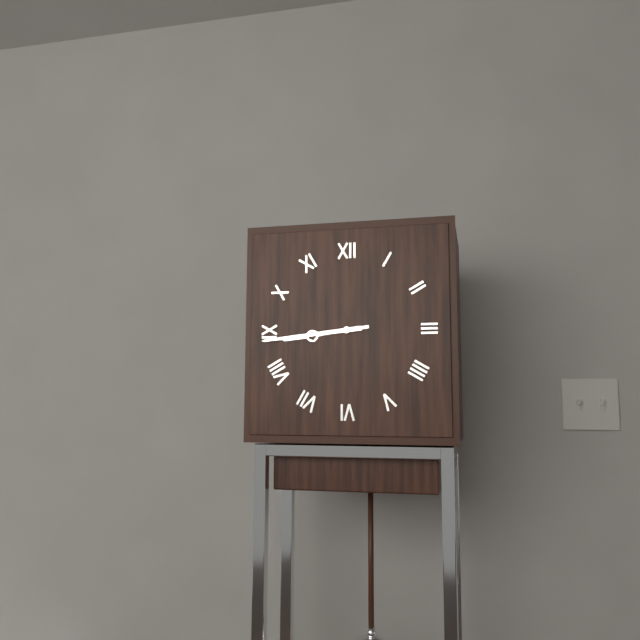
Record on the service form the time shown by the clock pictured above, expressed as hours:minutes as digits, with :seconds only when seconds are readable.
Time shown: 8:44
